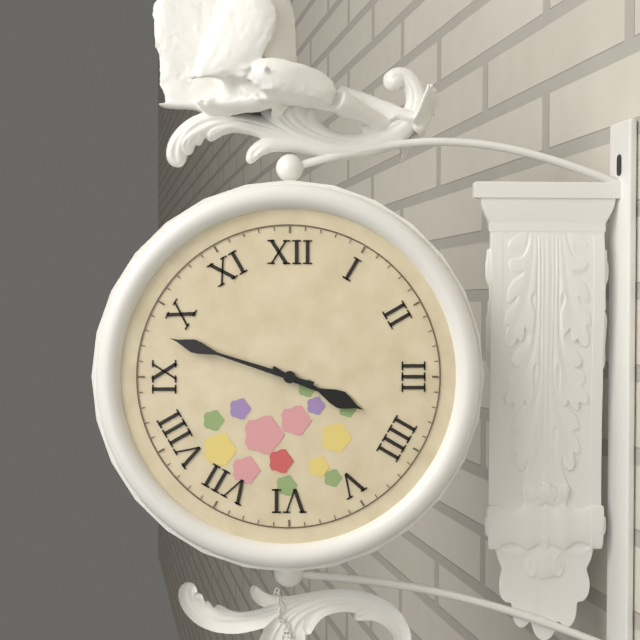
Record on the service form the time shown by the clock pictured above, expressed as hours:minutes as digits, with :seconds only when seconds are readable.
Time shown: 3:48
